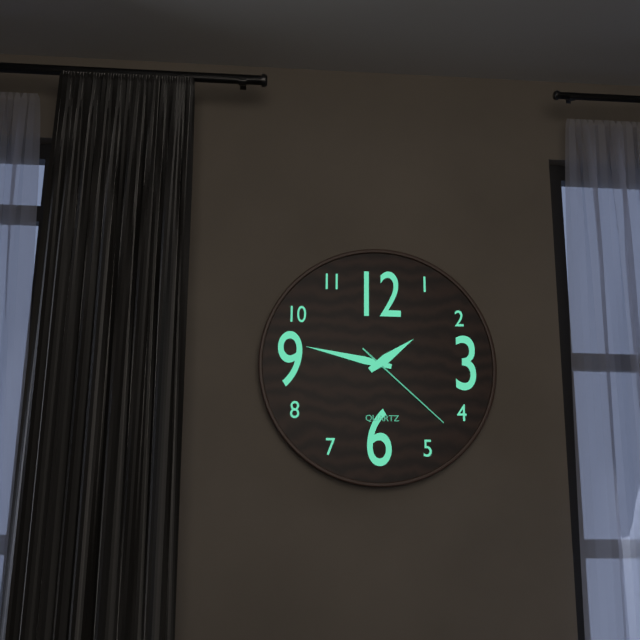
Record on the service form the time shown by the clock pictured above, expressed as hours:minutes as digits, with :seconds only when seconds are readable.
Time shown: 1:47:22
